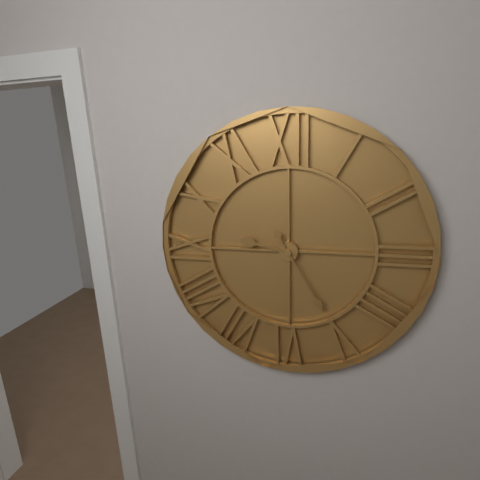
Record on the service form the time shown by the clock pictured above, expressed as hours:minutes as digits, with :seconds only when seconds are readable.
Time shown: 9:25
